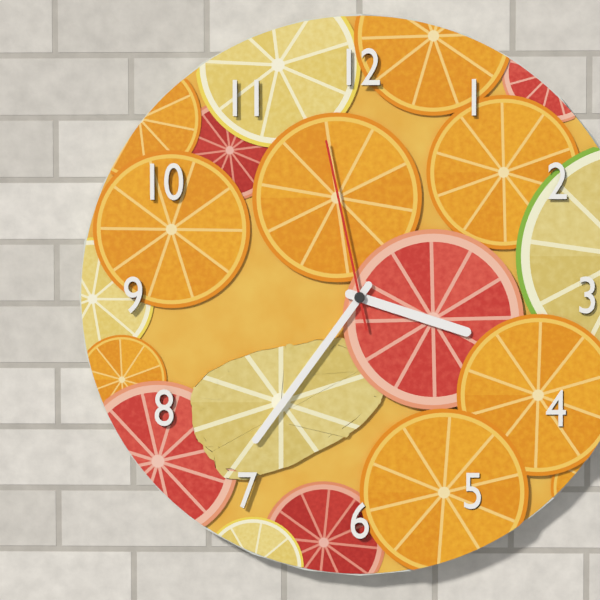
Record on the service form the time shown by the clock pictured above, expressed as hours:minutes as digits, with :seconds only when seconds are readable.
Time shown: 3:36:58
